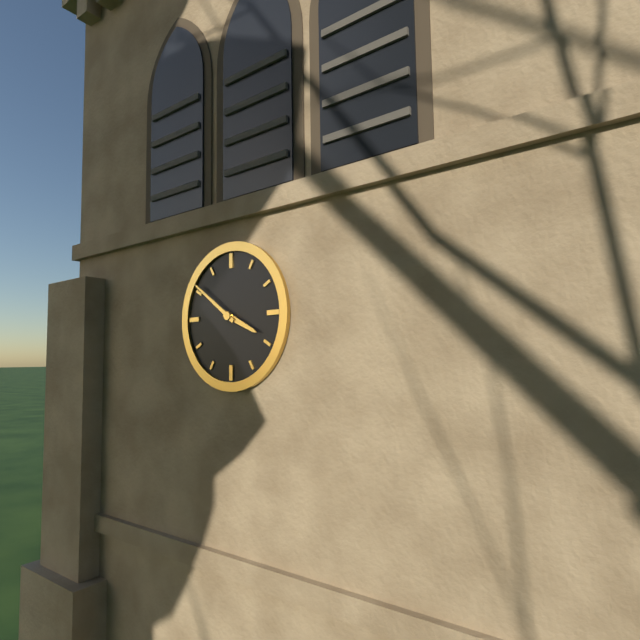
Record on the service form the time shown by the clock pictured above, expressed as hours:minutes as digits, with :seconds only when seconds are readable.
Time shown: 3:51
